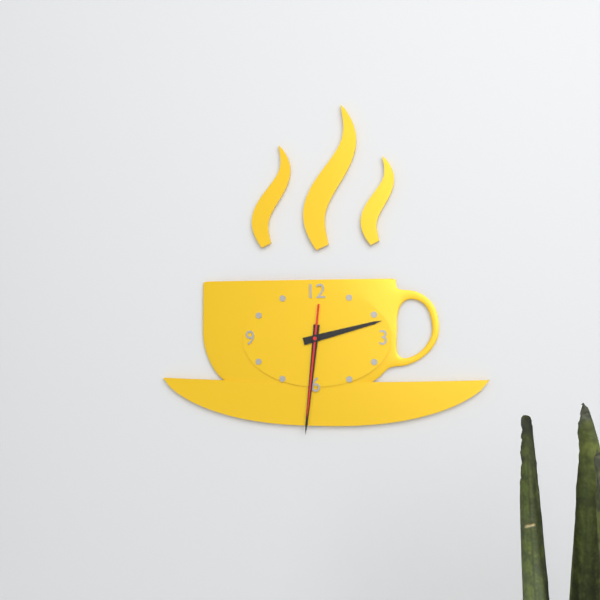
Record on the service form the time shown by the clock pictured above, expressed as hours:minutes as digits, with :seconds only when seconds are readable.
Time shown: 2:31:31
